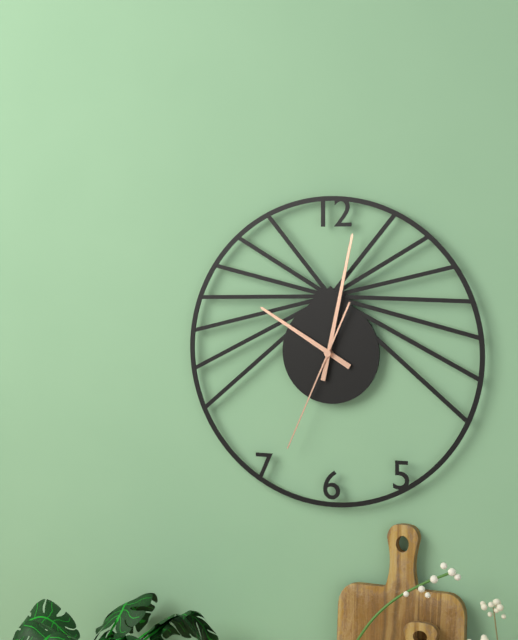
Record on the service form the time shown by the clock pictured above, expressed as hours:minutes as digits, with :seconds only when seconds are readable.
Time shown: 10:02:34
